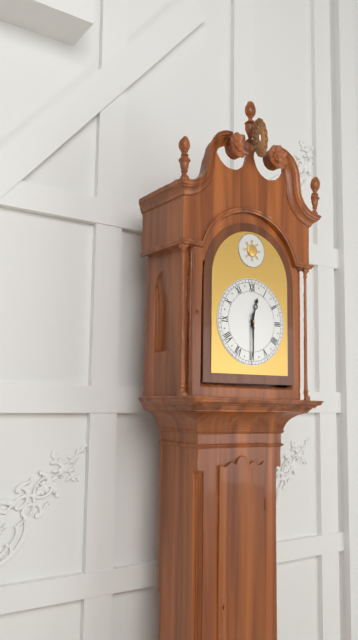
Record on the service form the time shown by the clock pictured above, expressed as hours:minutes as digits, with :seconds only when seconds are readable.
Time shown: 12:30
